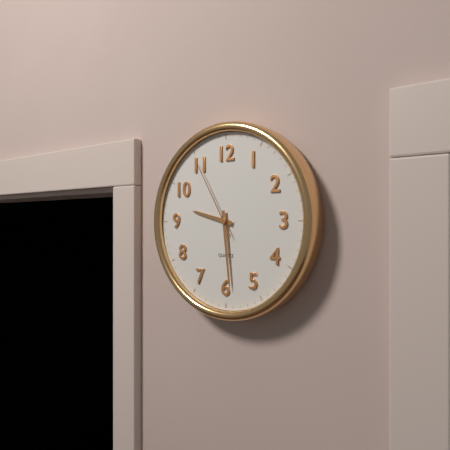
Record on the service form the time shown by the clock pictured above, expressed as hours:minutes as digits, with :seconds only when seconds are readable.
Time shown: 9:29:55
